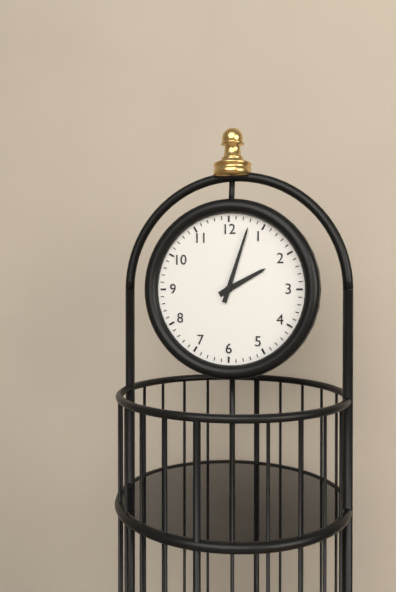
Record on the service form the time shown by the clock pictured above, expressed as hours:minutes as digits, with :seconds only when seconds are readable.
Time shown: 2:03
